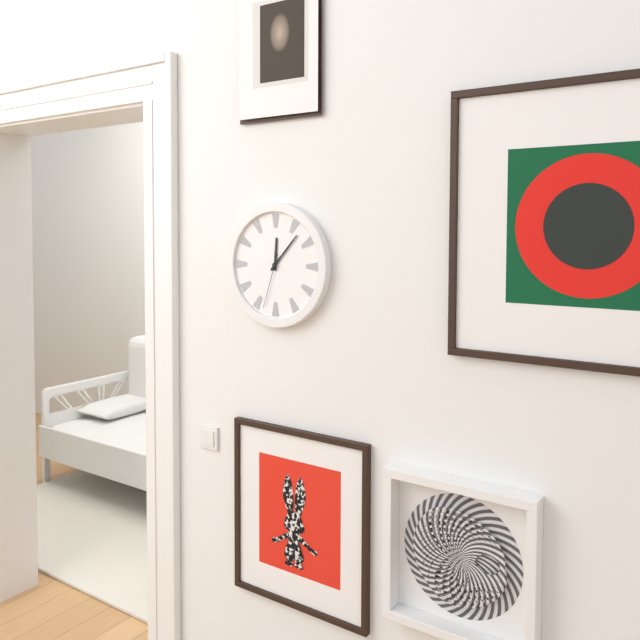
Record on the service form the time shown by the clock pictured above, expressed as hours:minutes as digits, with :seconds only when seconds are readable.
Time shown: 12:07:33
